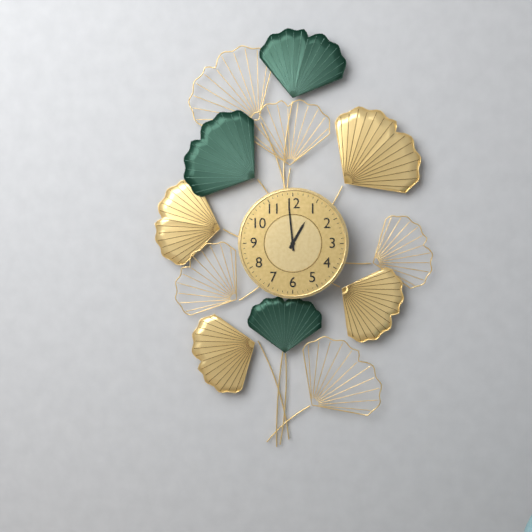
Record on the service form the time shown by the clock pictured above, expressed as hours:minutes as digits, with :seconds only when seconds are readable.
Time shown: 12:59
